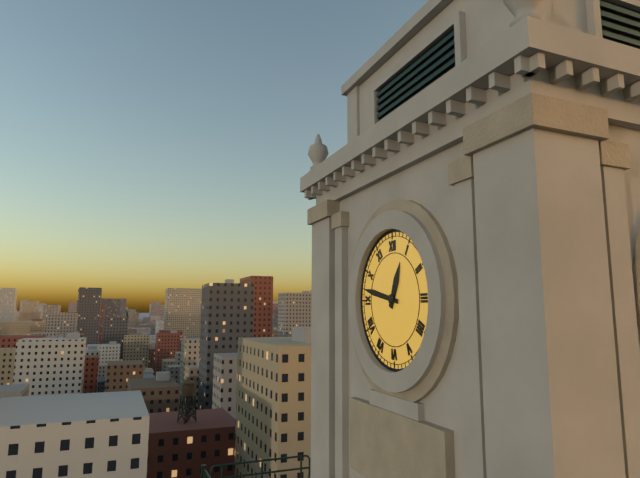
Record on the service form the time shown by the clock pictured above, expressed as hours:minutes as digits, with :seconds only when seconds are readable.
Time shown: 12:47
